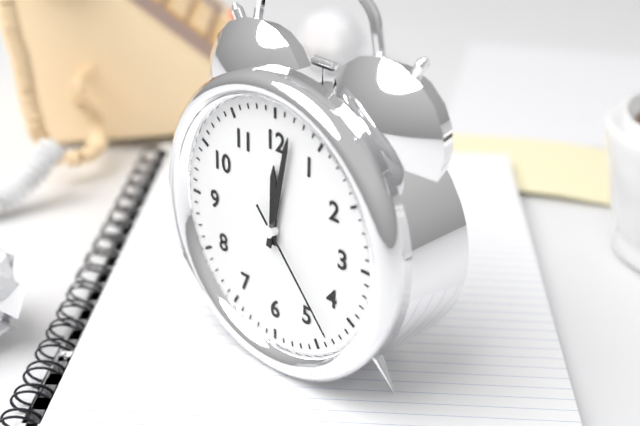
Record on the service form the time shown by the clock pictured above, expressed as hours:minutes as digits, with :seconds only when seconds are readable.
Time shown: 12:02:23
